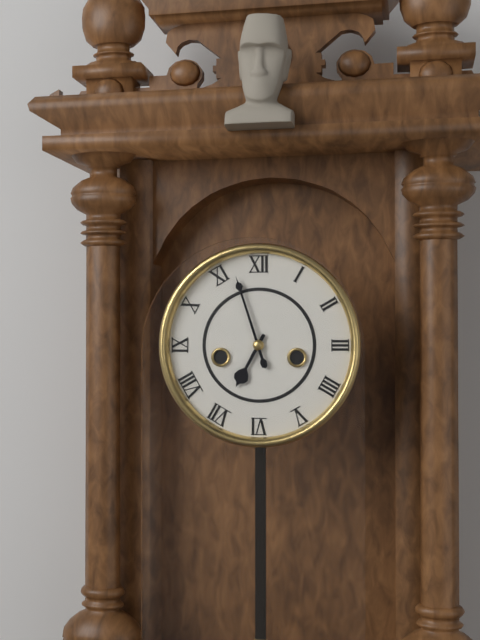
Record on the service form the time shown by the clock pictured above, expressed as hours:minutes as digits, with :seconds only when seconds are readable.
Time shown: 6:57
